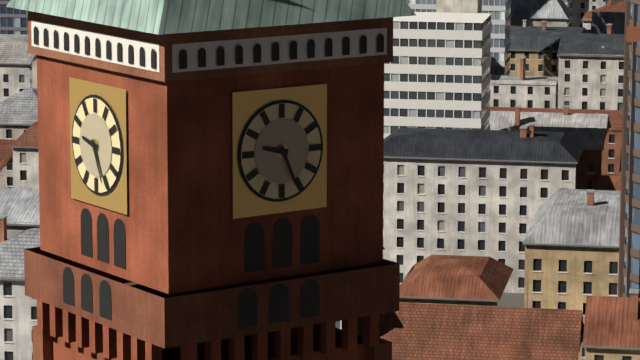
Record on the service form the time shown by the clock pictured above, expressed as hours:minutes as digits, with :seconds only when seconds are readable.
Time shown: 9:26
